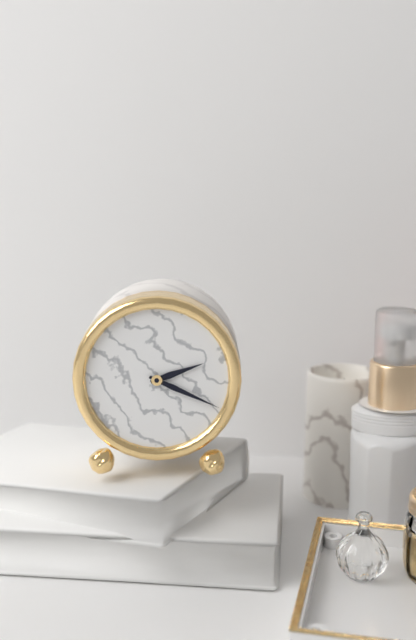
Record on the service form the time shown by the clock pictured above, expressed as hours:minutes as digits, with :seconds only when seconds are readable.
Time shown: 2:19
